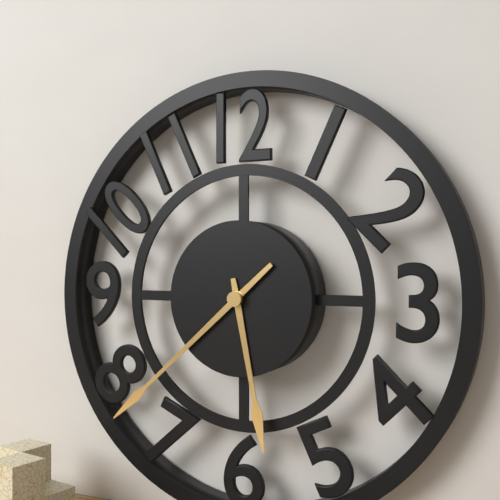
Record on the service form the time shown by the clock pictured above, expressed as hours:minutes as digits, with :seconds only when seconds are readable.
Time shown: 5:38
